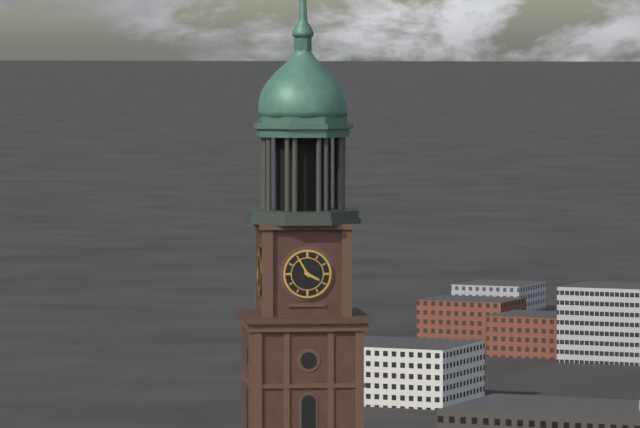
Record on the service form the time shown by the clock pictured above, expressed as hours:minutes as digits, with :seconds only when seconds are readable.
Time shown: 3:55
